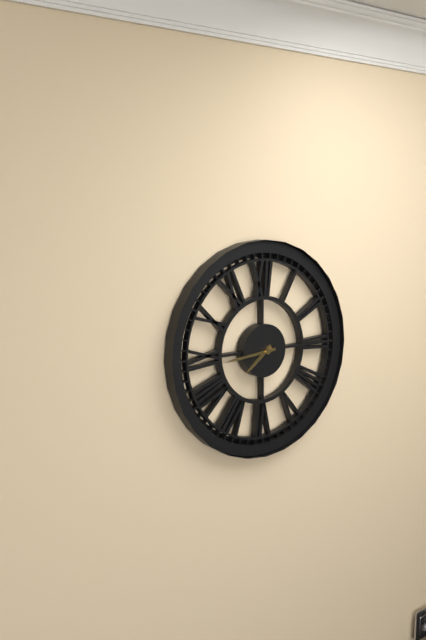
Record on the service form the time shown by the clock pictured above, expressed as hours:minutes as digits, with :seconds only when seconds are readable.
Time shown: 7:44
